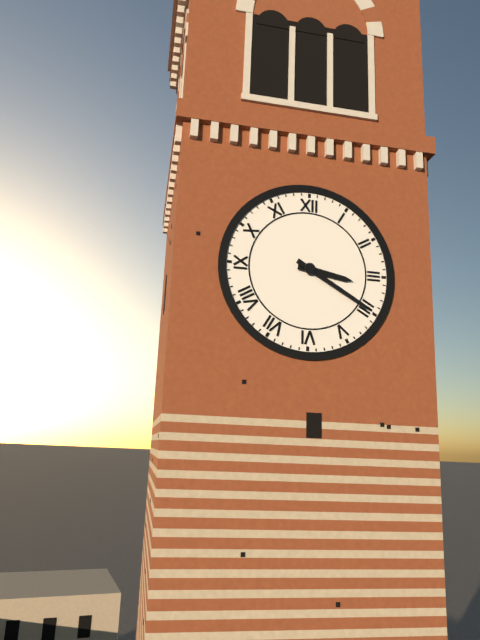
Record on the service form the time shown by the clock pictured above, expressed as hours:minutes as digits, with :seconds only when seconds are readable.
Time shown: 3:20
